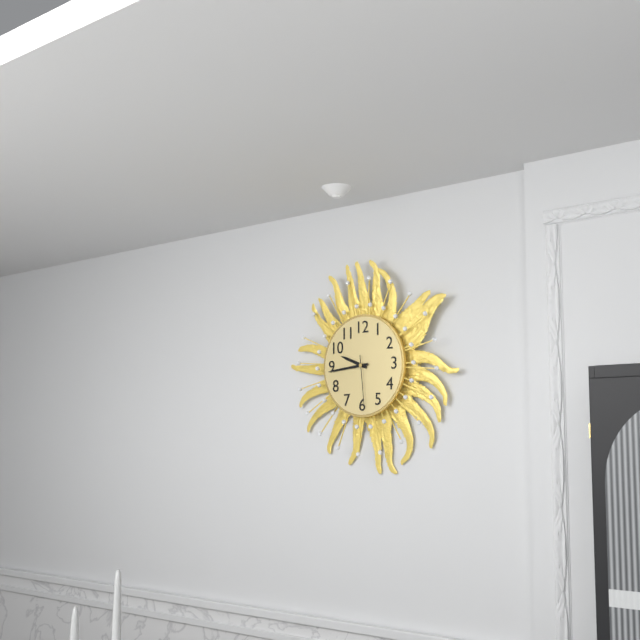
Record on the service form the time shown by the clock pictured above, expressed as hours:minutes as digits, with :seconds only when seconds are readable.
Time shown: 9:44:29
